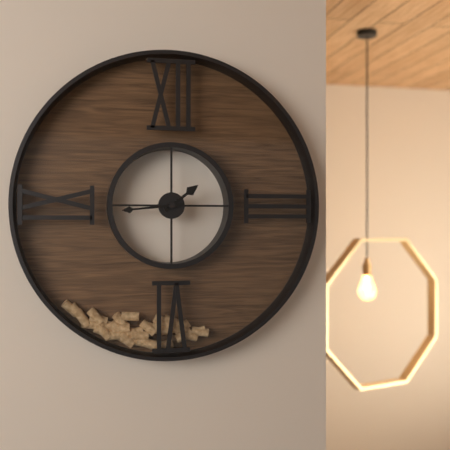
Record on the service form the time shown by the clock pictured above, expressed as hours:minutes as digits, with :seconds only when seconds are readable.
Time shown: 1:44
